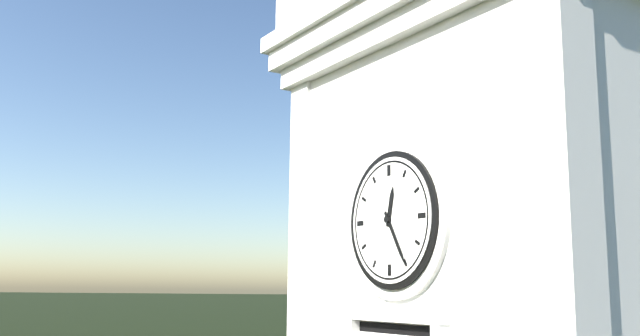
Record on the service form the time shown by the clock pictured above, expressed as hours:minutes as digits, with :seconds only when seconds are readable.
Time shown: 12:25
